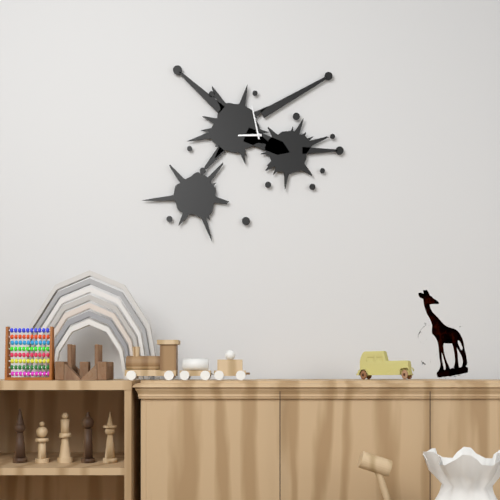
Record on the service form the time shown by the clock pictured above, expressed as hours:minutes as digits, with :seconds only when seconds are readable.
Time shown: 8:58
